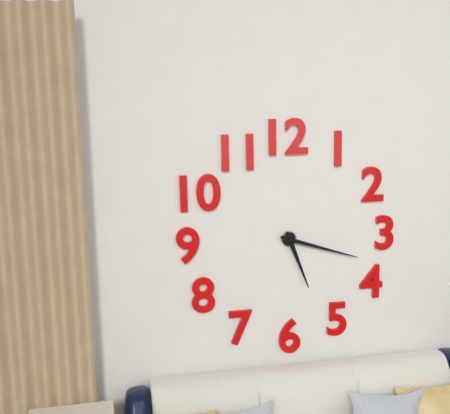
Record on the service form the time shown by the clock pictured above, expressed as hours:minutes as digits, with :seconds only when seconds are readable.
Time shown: 5:18
